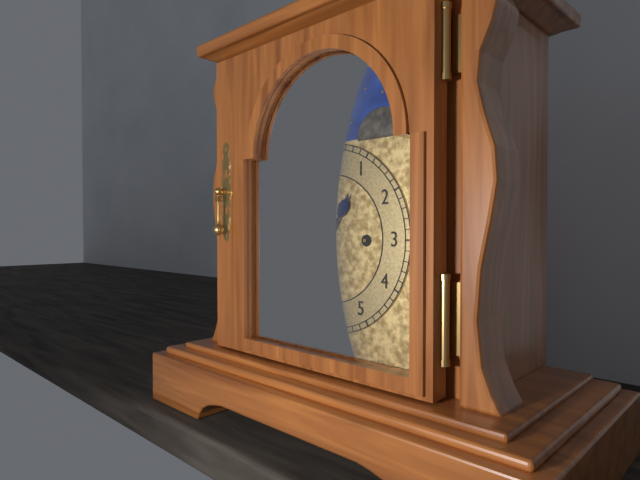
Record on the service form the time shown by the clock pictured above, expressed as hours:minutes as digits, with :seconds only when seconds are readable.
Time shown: 1:00
